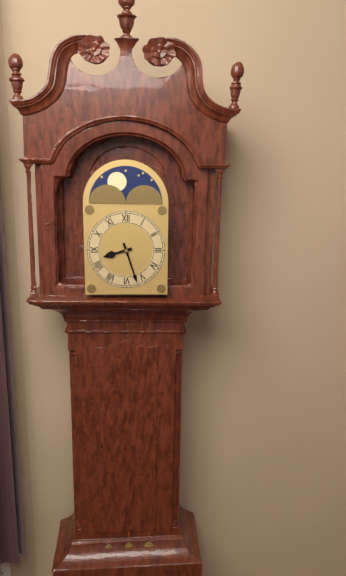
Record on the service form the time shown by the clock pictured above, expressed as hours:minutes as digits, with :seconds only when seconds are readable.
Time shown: 8:27
